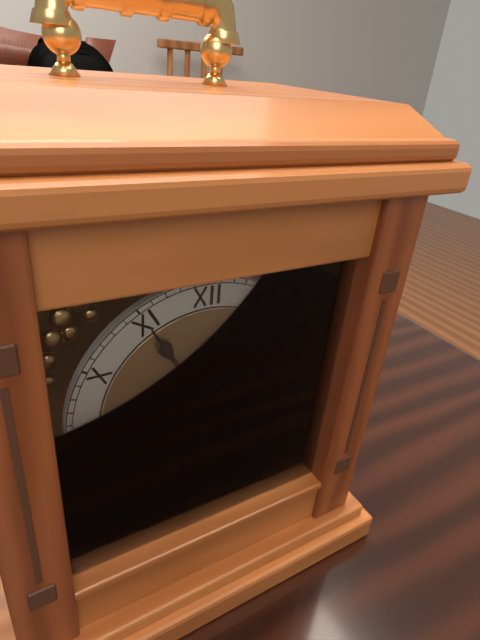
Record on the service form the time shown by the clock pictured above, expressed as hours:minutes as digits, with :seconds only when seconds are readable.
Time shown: 3:55
